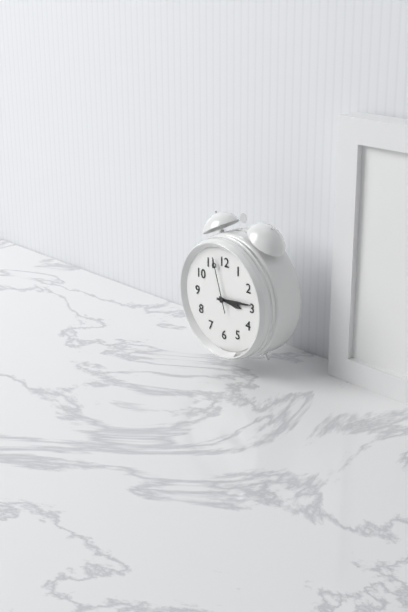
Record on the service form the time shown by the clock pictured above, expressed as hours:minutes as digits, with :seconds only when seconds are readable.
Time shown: 3:14:57
